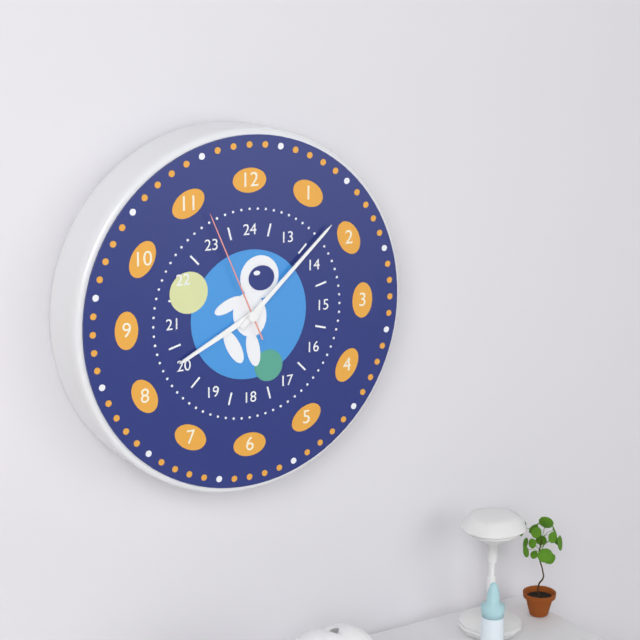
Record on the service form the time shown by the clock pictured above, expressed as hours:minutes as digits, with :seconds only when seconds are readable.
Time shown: 8:08:56
